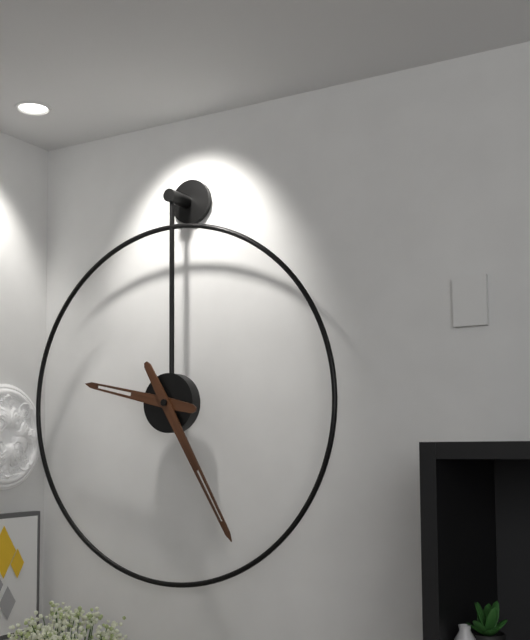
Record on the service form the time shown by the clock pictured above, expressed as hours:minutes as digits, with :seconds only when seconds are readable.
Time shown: 9:25
